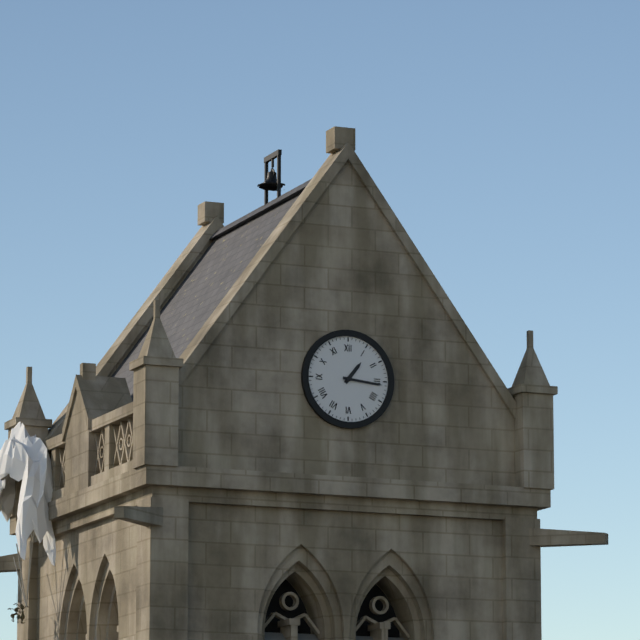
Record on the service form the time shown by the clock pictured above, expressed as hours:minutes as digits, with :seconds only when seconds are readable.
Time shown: 1:16
